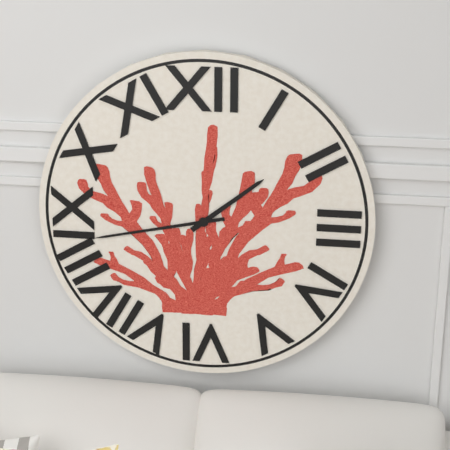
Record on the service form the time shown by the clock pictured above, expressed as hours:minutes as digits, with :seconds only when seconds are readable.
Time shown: 1:43
